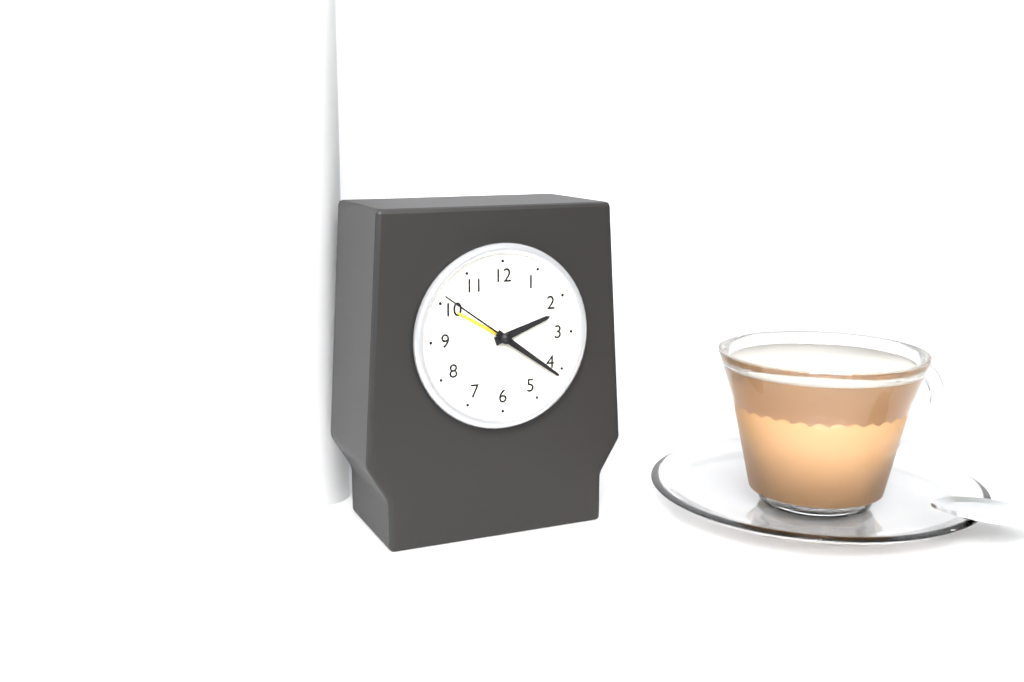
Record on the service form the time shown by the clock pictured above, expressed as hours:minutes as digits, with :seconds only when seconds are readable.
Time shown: 2:21:51
